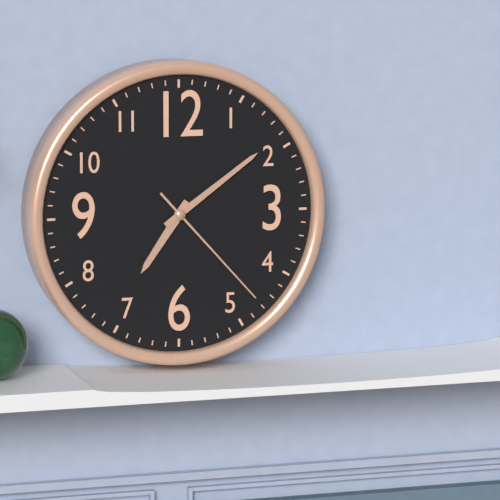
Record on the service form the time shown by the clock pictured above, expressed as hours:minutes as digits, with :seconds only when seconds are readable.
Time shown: 7:09:23
